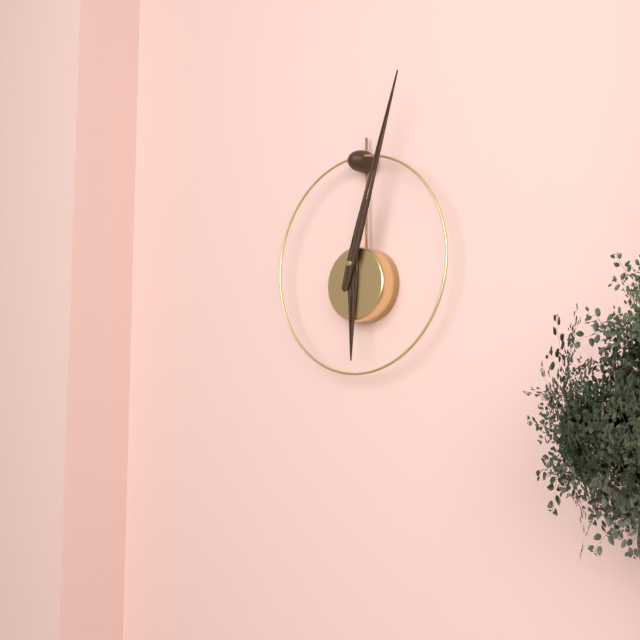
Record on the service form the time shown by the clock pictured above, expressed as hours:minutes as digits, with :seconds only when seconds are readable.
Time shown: 6:03
